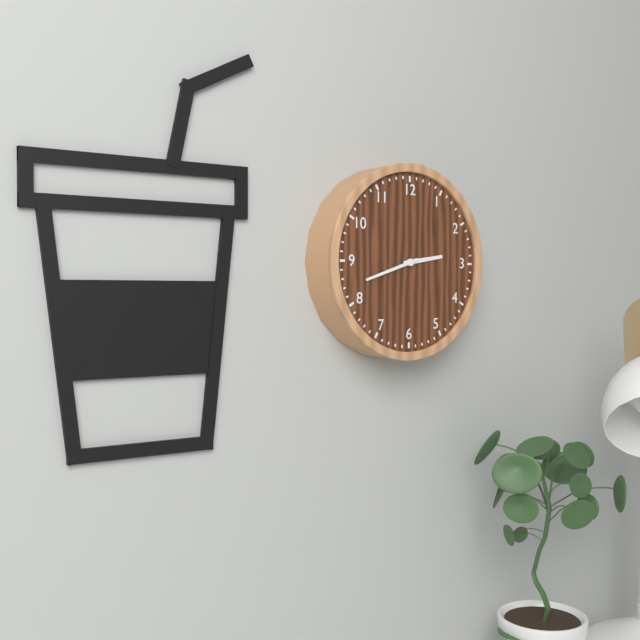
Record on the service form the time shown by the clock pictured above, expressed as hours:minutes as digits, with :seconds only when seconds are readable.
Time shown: 2:42
